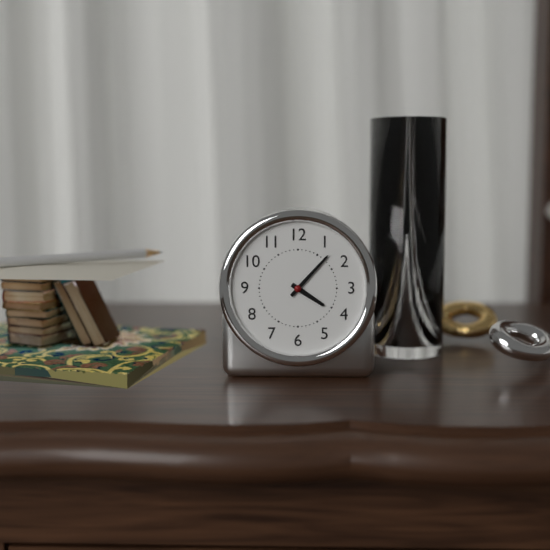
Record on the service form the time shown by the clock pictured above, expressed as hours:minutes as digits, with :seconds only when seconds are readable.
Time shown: 4:07
